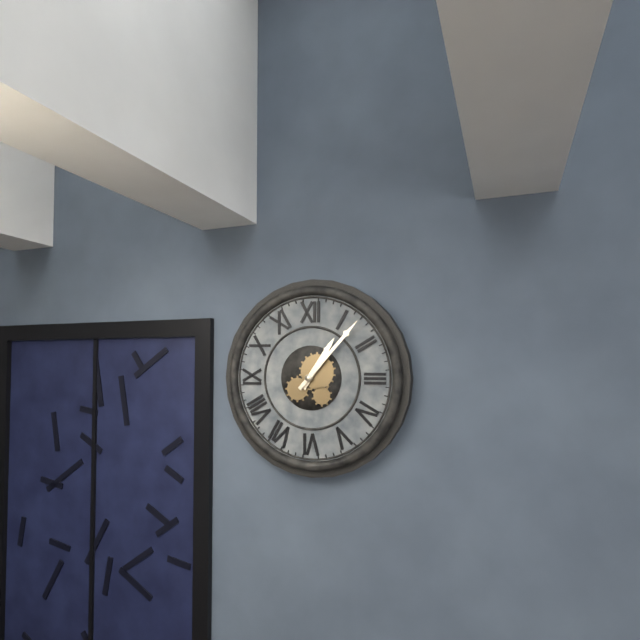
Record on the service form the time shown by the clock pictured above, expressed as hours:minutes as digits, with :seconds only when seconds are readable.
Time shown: 1:07
